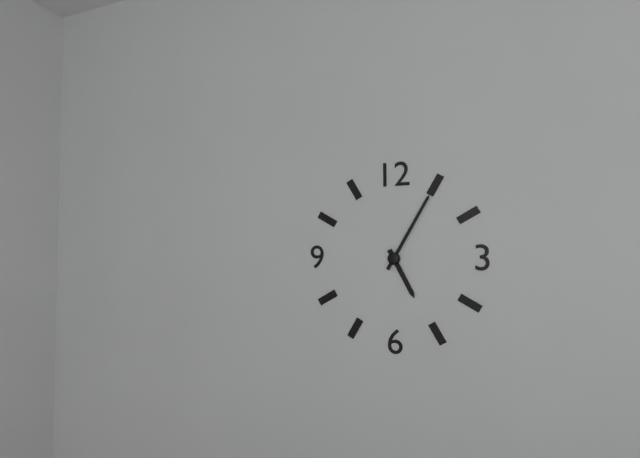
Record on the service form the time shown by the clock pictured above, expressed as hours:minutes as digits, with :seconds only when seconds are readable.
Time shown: 5:05
